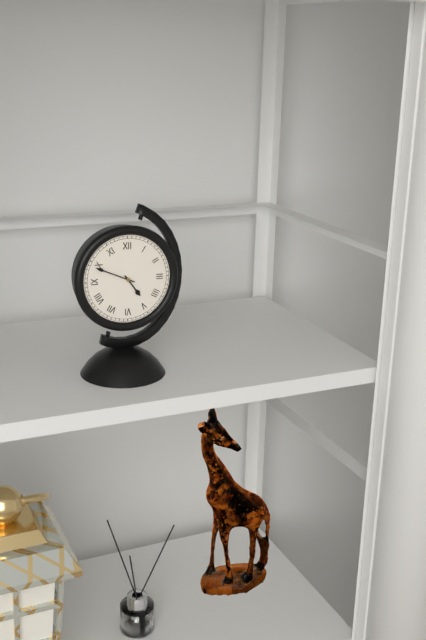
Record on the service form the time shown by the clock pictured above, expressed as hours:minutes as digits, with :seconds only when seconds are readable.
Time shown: 4:49
